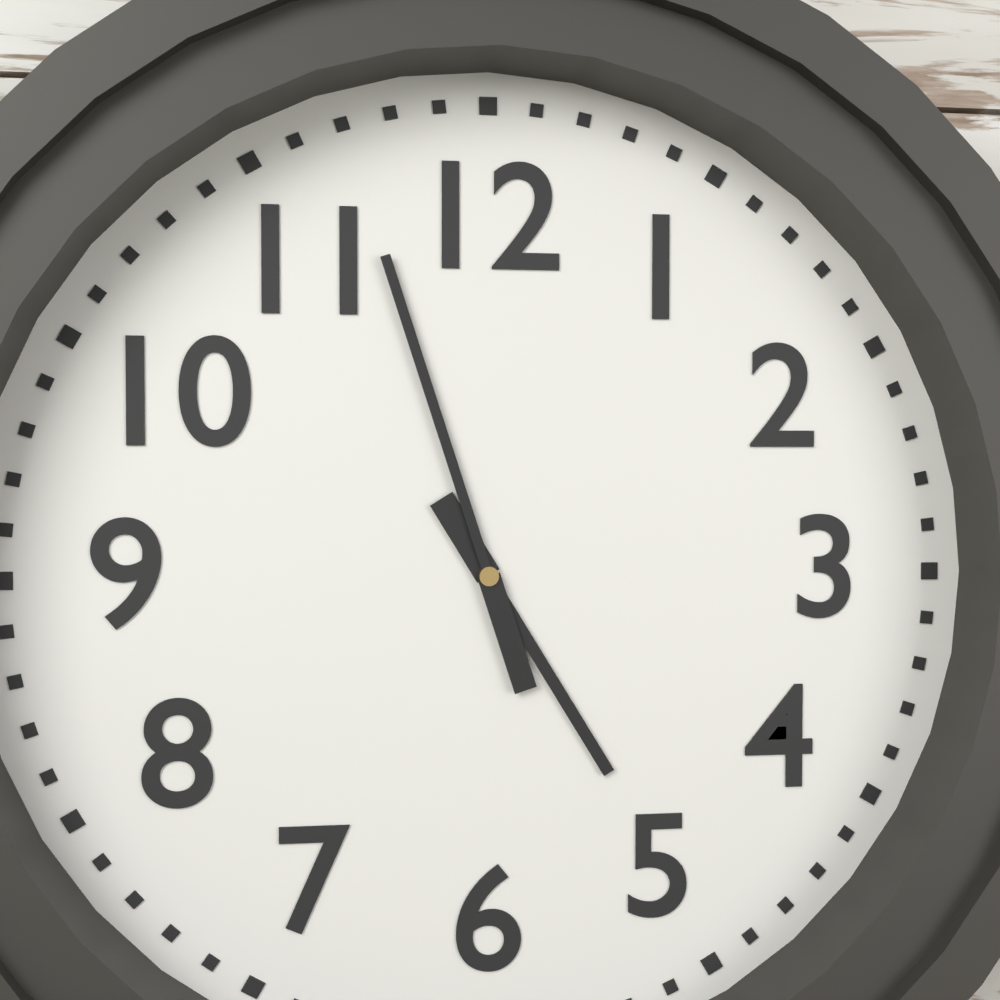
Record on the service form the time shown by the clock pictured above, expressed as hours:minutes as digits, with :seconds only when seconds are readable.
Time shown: 4:57
